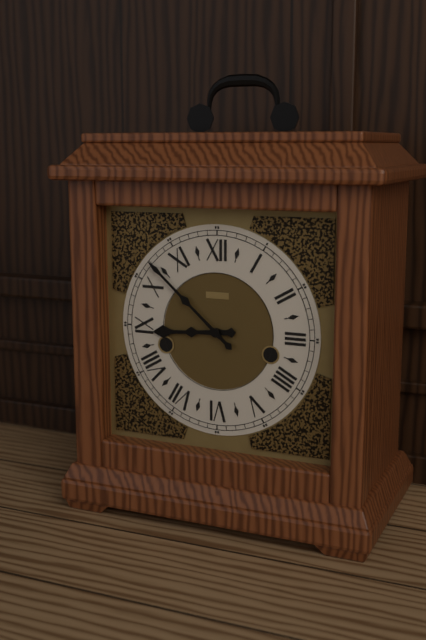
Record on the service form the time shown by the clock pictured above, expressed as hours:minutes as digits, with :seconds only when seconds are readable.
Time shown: 8:52
